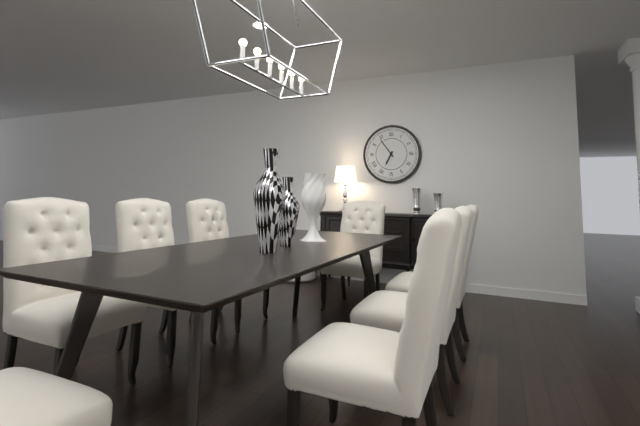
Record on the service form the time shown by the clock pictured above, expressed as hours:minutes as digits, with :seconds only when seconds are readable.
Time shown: 6:54
